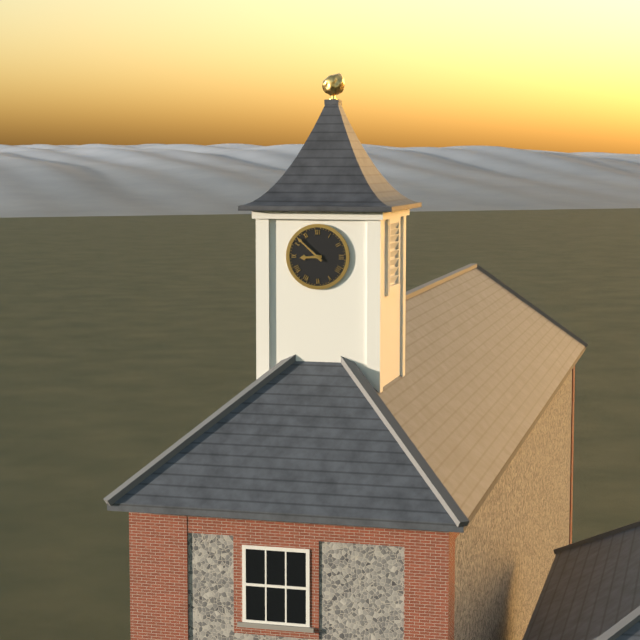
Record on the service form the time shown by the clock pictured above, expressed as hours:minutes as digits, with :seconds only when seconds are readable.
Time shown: 8:52
